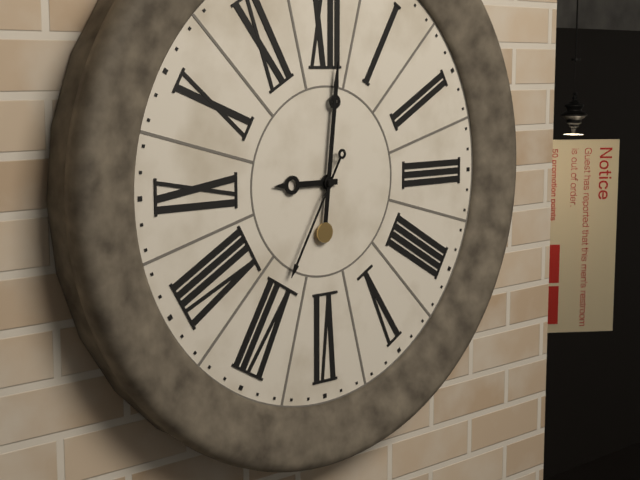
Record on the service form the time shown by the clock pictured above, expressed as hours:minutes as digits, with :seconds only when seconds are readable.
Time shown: 9:01:35
